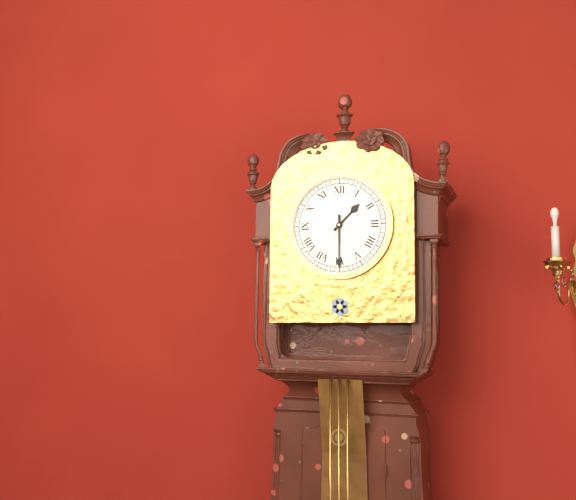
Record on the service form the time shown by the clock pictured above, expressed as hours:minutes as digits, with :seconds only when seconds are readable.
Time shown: 1:30
